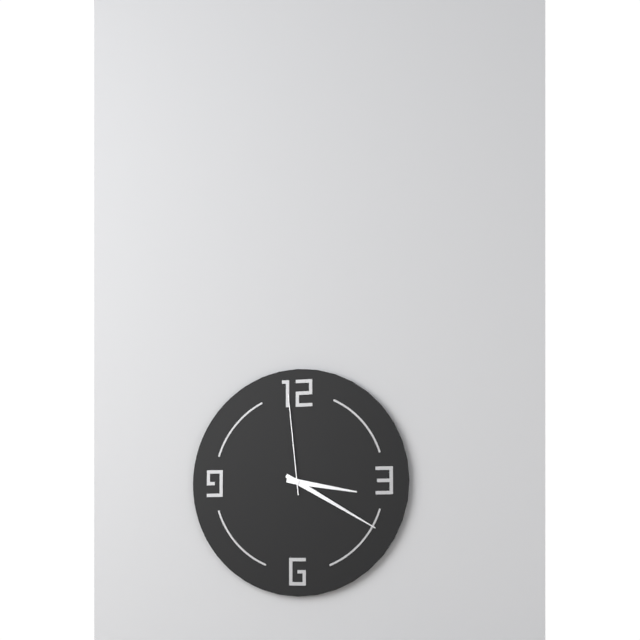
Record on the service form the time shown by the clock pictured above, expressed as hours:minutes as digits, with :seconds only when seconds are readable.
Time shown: 3:20:59
